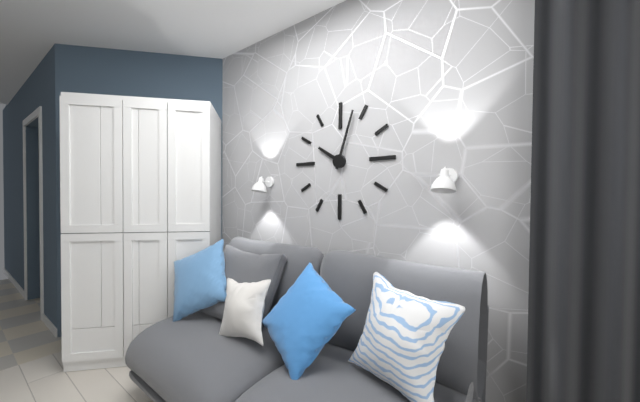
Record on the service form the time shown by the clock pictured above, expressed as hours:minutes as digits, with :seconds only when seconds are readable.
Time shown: 10:03
